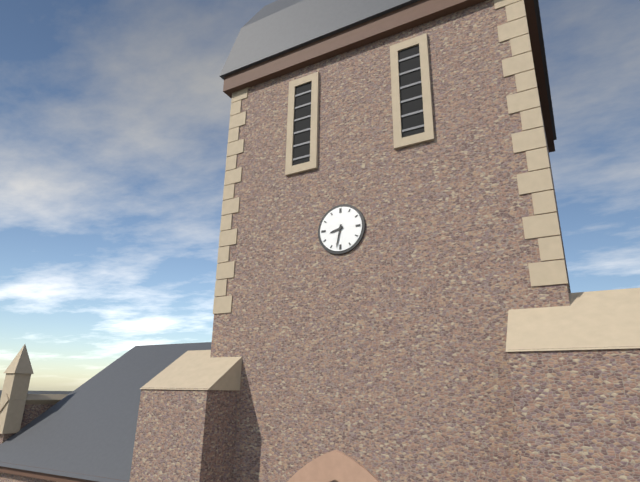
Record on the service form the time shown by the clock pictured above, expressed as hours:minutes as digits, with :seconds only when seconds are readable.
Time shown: 8:32
